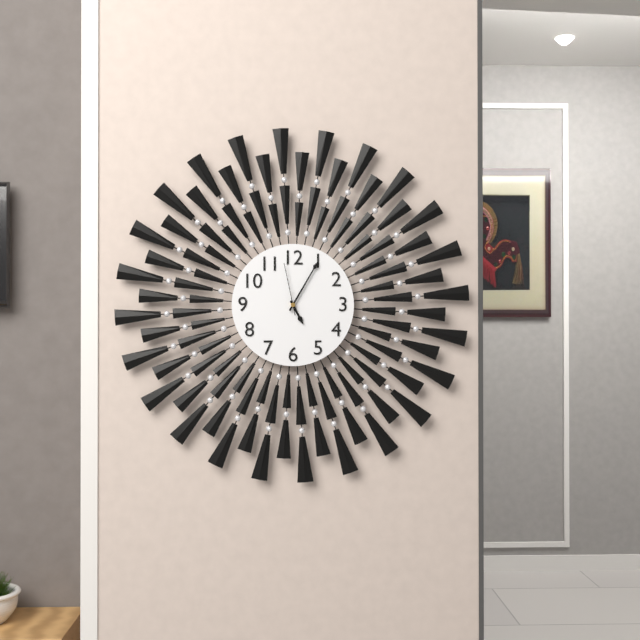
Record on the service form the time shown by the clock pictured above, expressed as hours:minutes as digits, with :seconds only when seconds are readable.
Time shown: 5:05:58
